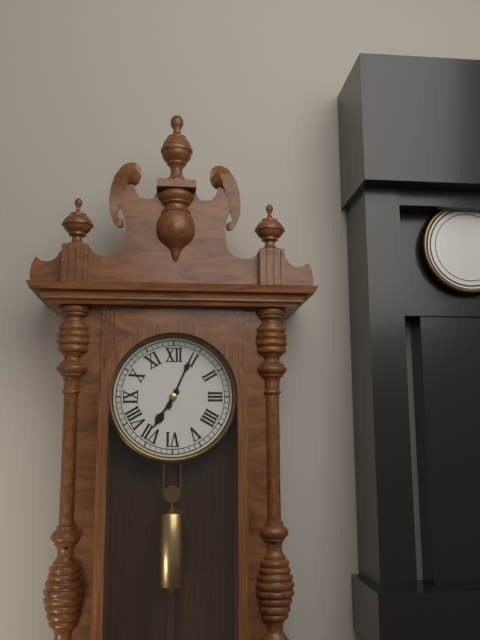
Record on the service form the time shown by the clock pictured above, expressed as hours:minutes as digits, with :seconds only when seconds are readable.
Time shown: 7:04
